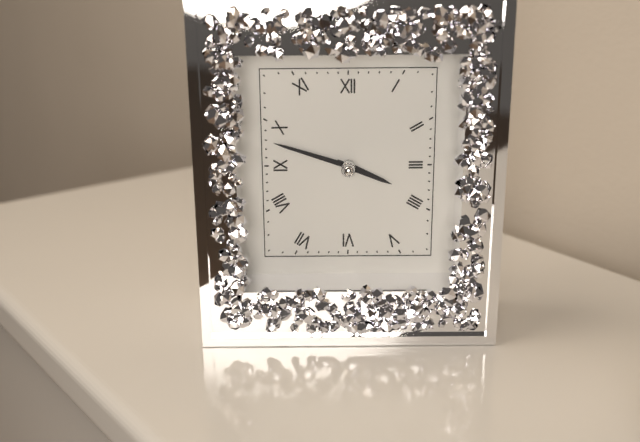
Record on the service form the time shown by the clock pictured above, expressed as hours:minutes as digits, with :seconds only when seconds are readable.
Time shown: 3:48
